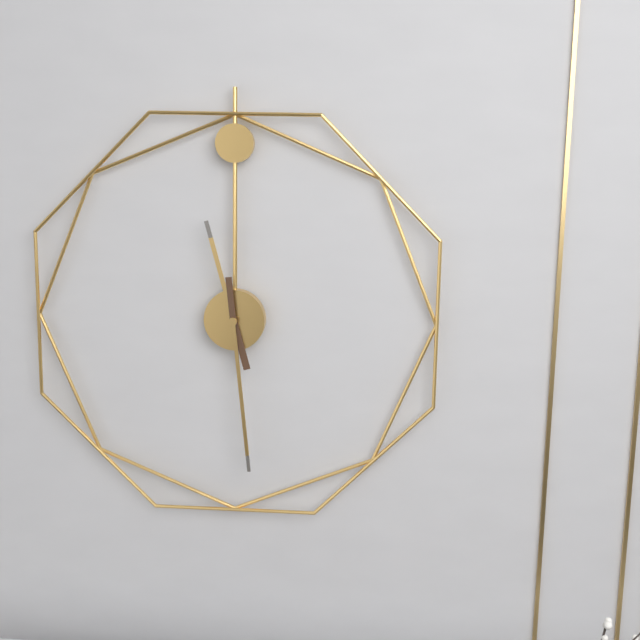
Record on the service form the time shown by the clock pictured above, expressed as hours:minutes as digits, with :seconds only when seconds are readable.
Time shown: 11:29
